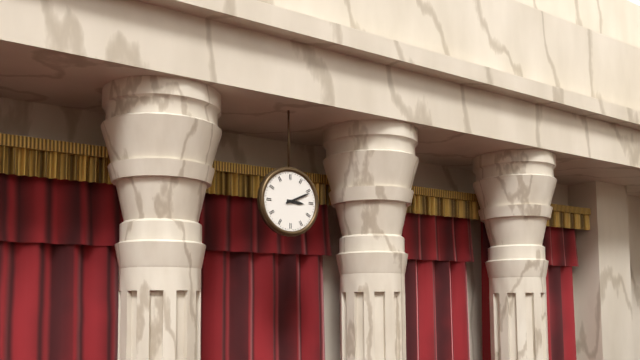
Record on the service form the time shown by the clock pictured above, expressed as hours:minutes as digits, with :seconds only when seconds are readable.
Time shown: 3:11
